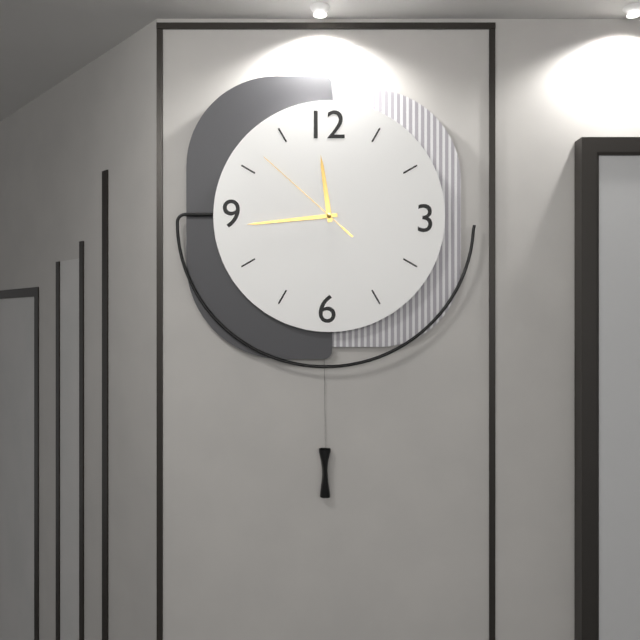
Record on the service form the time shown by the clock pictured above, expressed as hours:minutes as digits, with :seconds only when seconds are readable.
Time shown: 11:44:52
